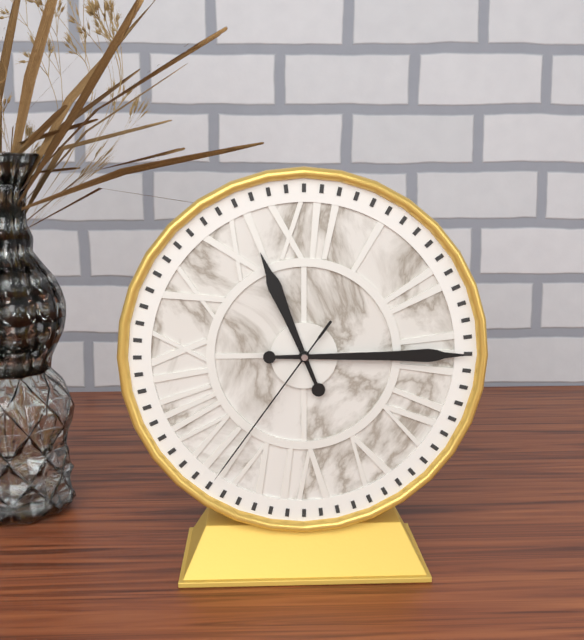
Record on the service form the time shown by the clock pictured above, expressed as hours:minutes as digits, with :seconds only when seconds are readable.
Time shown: 11:15:36
